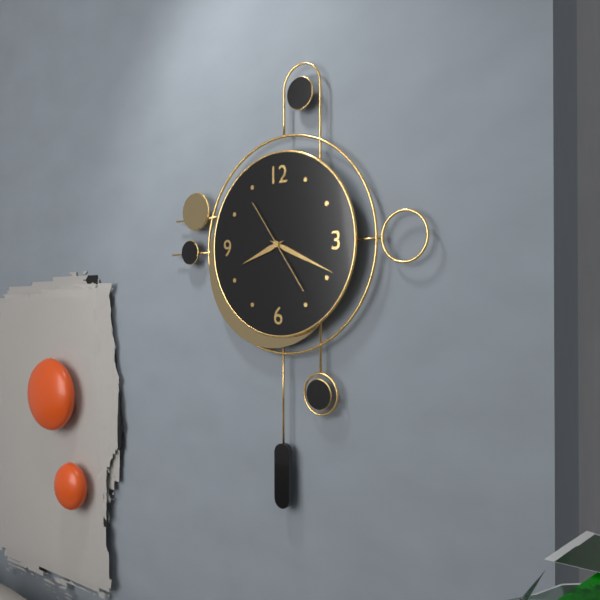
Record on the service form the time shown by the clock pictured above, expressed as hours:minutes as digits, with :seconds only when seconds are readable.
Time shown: 8:19:24
